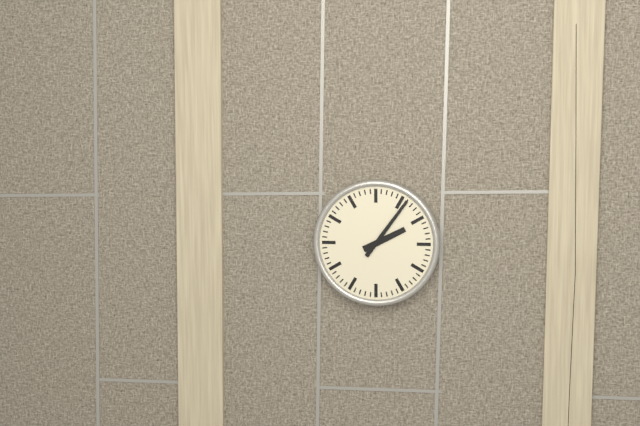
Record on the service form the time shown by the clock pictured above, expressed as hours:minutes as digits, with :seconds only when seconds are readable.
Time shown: 2:06
